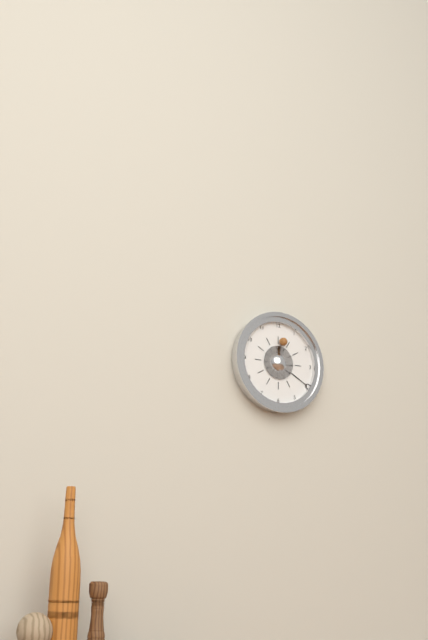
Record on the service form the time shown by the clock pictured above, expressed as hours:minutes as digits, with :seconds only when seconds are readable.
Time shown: 12:20
